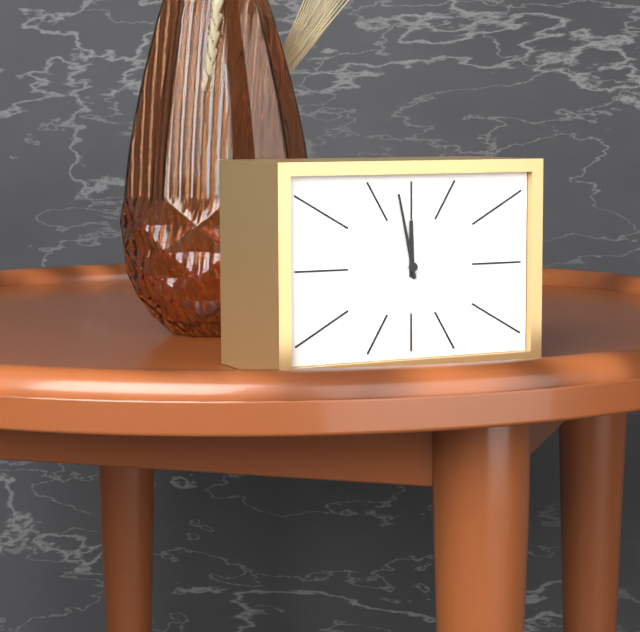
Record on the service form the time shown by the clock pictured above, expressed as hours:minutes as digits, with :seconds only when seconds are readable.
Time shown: 11:58
